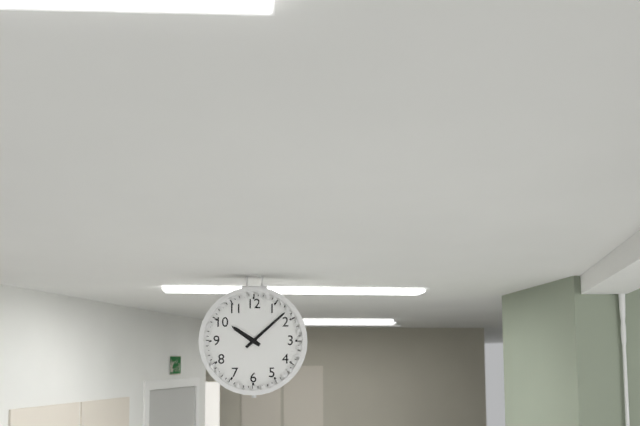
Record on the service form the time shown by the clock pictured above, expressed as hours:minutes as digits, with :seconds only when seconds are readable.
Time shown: 10:08
